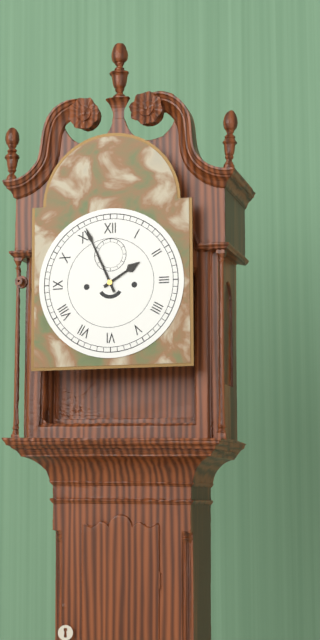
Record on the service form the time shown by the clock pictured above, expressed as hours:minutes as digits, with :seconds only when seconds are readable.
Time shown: 1:56
